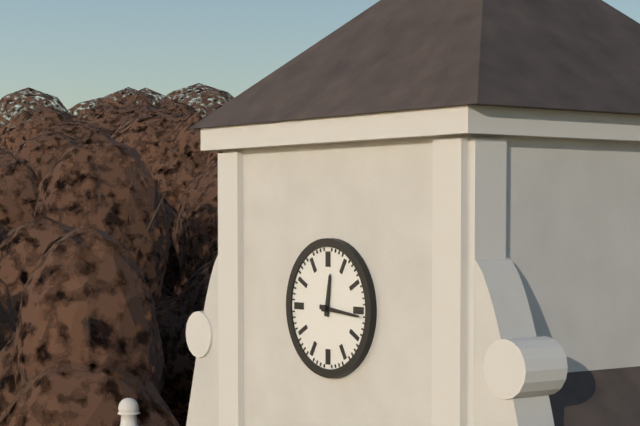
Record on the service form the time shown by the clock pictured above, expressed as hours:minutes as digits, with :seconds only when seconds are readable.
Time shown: 12:16
